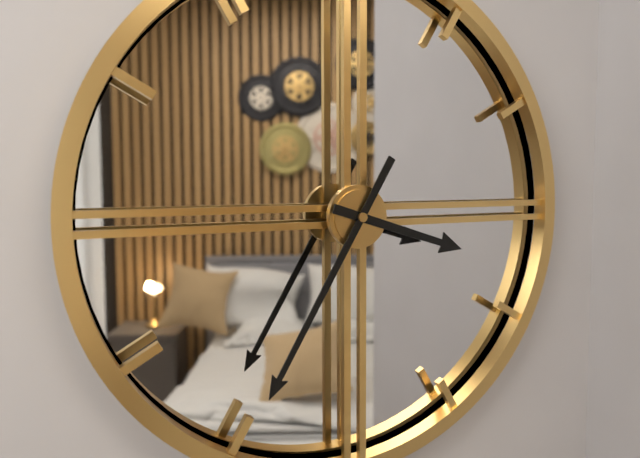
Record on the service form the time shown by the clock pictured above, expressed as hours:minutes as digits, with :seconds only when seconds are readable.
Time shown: 3:35
